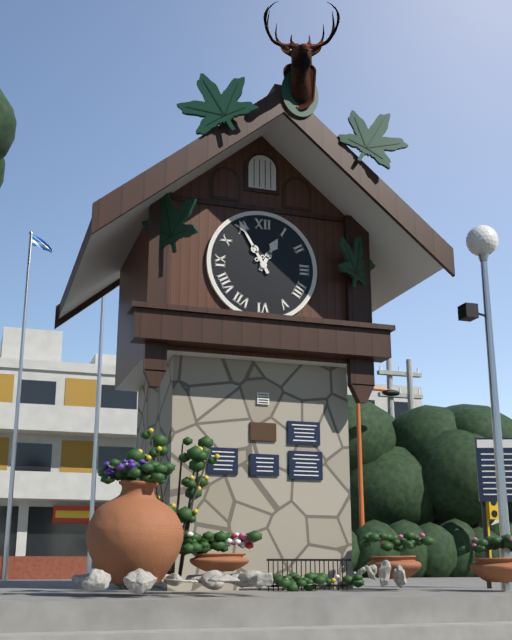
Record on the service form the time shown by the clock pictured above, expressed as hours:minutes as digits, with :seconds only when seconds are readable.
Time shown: 12:55
